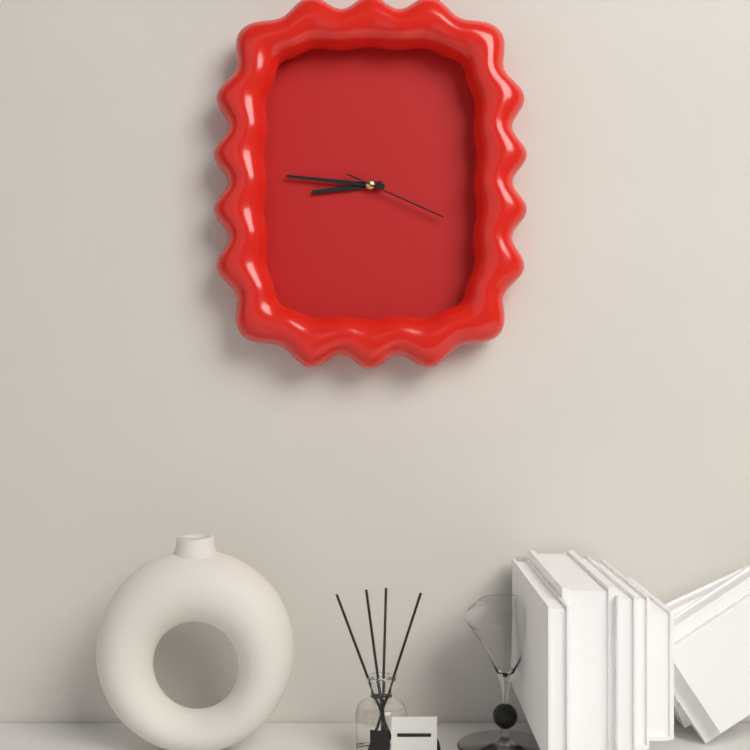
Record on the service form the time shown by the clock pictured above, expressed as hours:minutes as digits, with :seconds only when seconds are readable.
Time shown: 8:46:19
